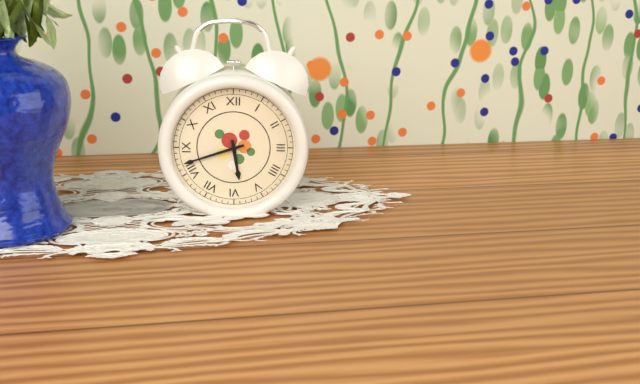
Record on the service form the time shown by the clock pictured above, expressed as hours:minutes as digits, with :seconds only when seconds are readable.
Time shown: 5:42
